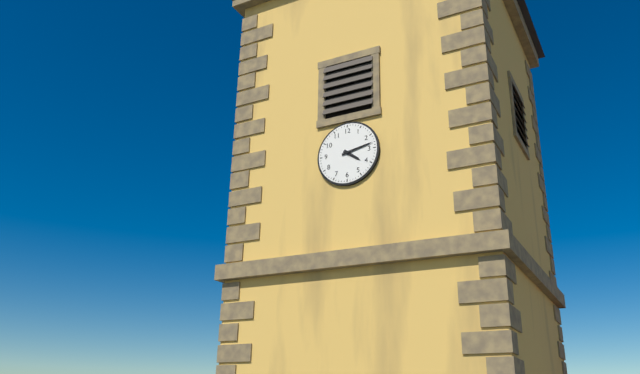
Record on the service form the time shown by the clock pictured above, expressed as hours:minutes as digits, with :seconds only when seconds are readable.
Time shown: 4:13
